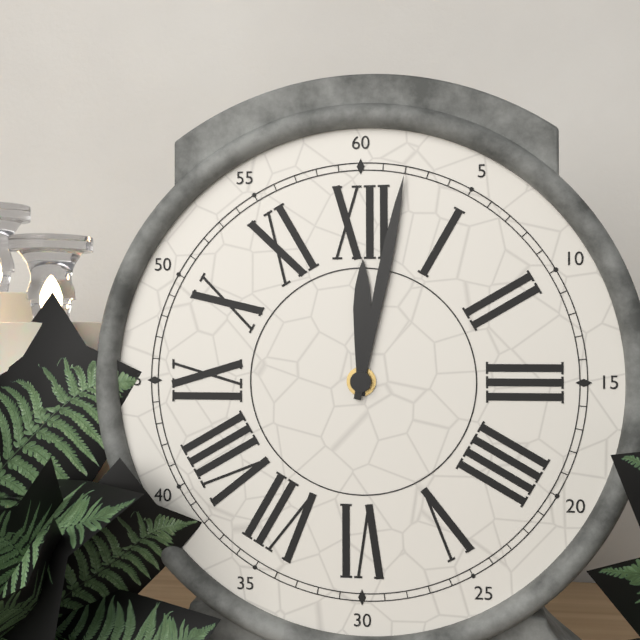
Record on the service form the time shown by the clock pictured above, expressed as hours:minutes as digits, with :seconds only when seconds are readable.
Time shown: 12:02
